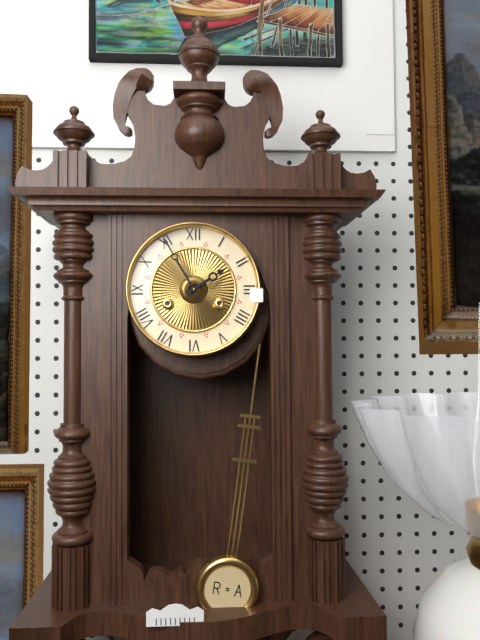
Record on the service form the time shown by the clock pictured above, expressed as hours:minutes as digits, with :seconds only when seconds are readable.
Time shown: 1:55
